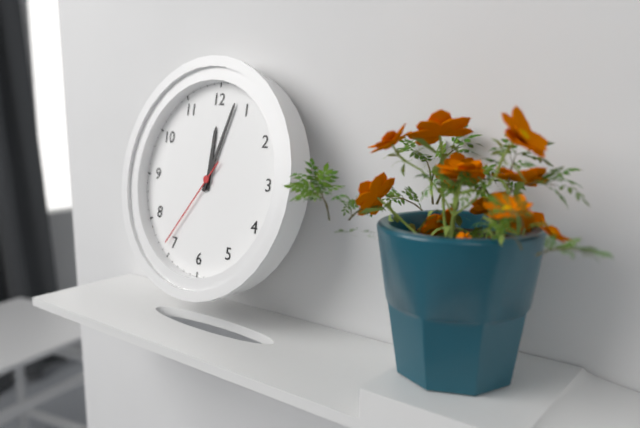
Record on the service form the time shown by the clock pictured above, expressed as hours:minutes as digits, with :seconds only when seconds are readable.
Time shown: 12:03:36
